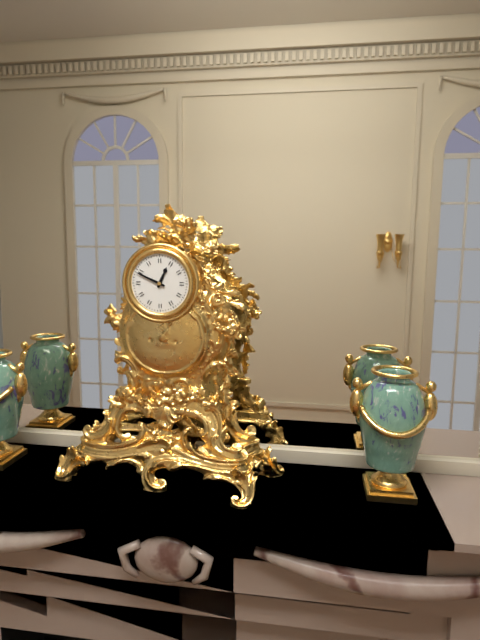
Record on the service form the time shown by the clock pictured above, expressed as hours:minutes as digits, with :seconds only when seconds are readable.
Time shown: 12:49
